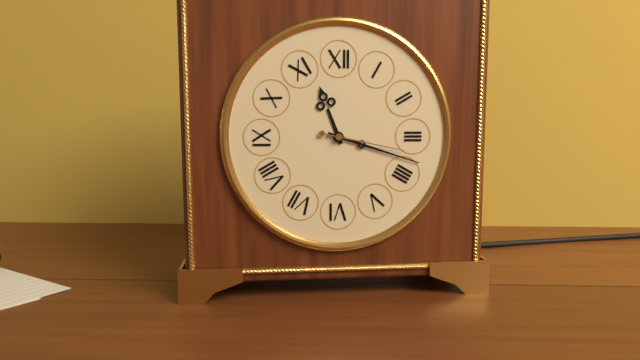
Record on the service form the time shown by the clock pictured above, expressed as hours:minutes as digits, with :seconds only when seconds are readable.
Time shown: 11:18:17
